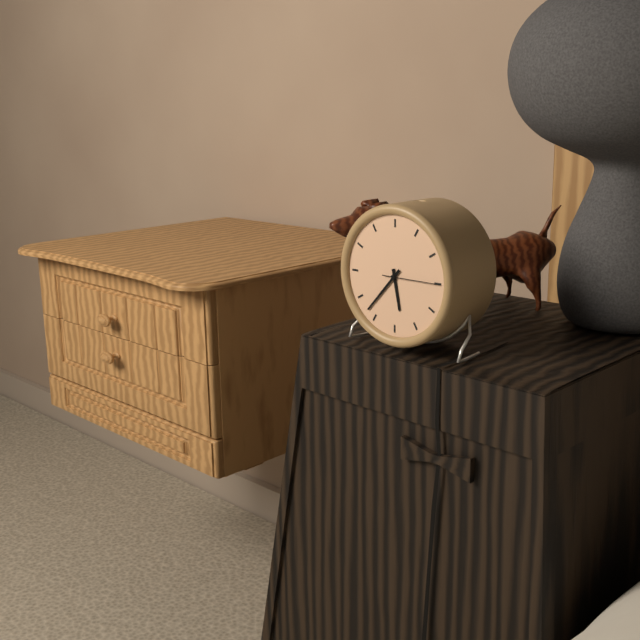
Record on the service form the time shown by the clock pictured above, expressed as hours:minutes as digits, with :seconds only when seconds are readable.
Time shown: 5:37:15
